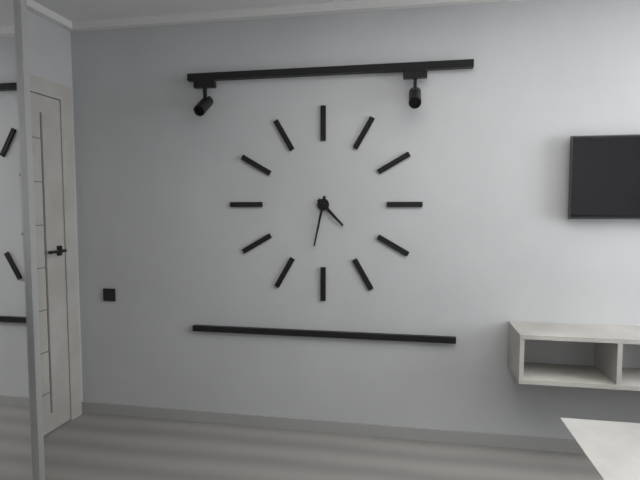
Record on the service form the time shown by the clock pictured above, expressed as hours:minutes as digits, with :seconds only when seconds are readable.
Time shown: 4:32
